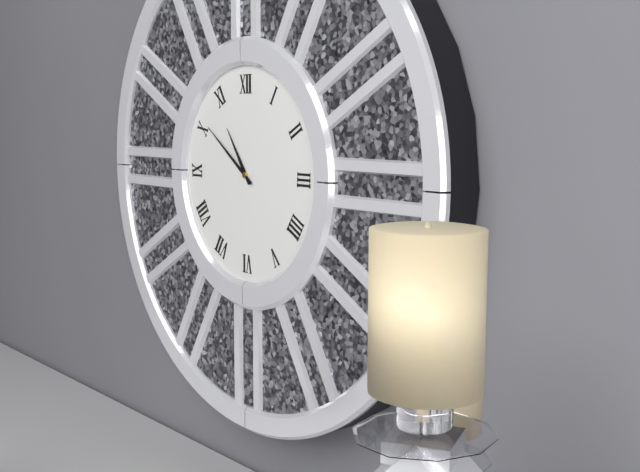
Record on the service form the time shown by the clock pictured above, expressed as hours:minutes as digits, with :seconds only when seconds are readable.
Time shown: 10:51
